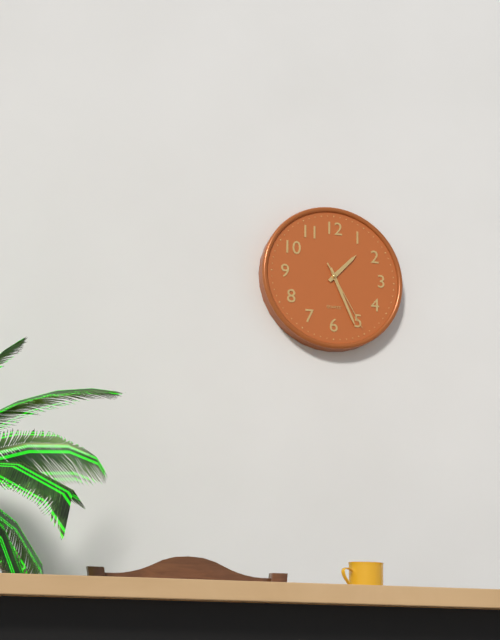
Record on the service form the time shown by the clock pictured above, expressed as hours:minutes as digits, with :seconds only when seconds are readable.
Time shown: 1:26:25
